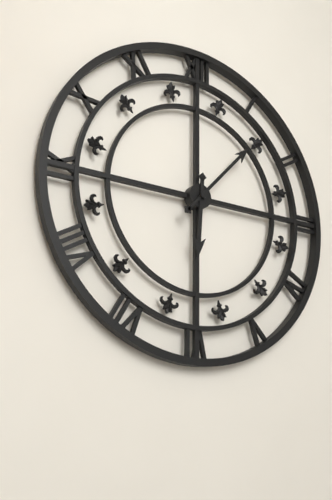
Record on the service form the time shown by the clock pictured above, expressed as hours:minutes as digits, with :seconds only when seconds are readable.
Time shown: 6:07
